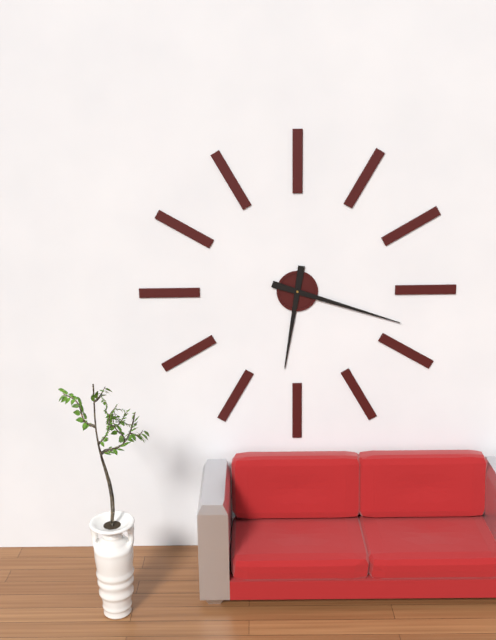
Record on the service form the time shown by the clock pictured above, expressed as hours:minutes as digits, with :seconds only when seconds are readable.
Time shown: 6:18
